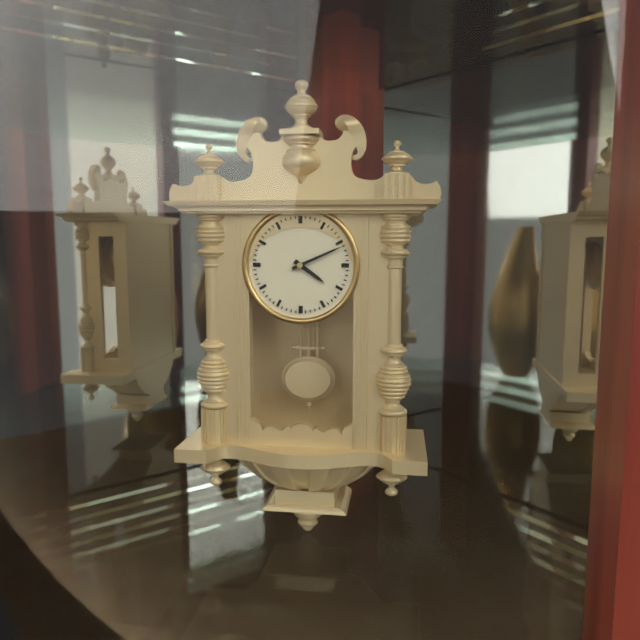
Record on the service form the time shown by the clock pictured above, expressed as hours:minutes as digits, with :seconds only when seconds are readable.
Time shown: 4:11
